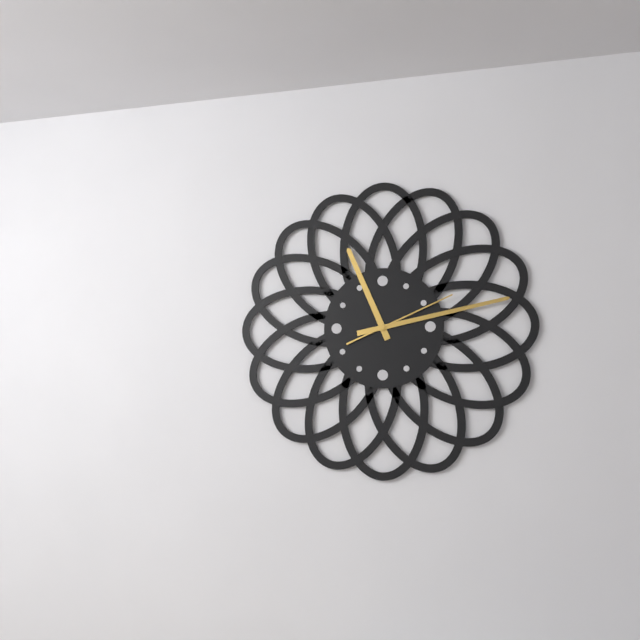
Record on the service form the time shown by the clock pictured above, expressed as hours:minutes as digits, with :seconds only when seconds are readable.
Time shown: 11:13:11
